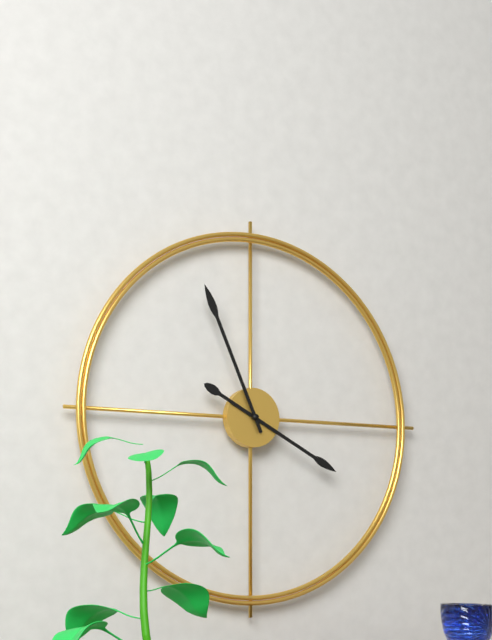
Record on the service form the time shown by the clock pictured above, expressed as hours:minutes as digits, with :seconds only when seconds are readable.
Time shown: 3:56
